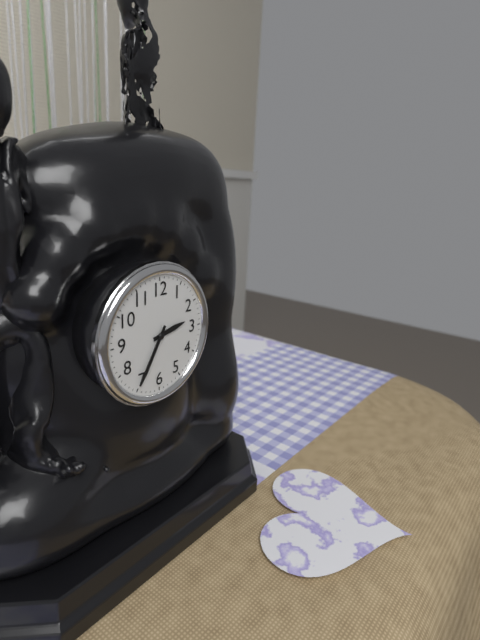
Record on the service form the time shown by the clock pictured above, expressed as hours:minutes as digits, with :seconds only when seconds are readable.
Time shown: 2:35
